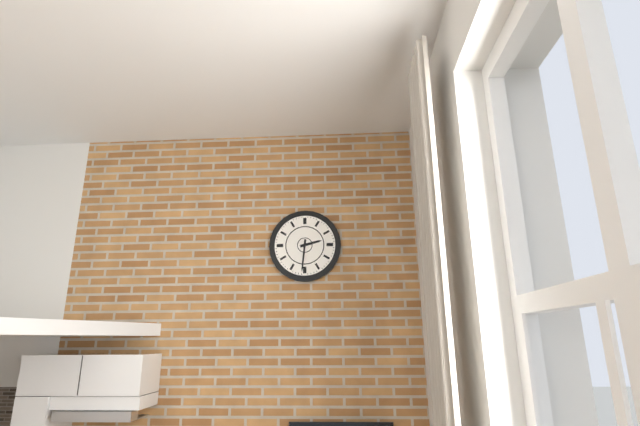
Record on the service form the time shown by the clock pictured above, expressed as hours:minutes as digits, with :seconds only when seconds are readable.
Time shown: 2:31
